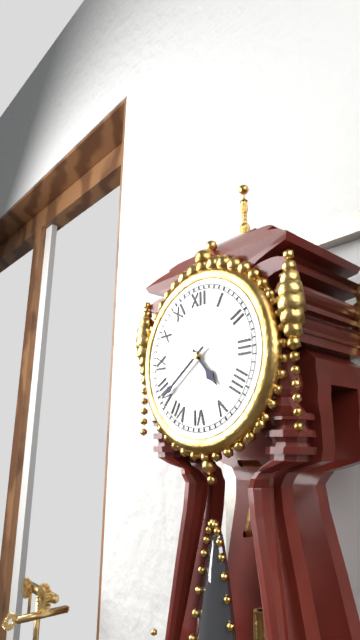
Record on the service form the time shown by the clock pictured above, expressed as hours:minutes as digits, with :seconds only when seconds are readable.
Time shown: 4:39
